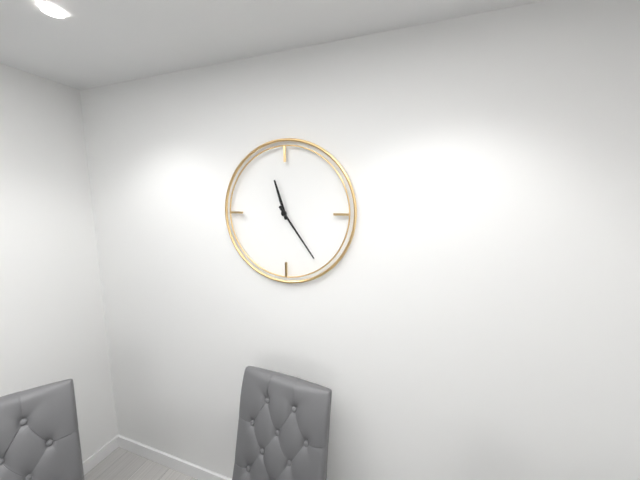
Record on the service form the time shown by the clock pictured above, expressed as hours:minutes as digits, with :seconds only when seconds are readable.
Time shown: 11:24
